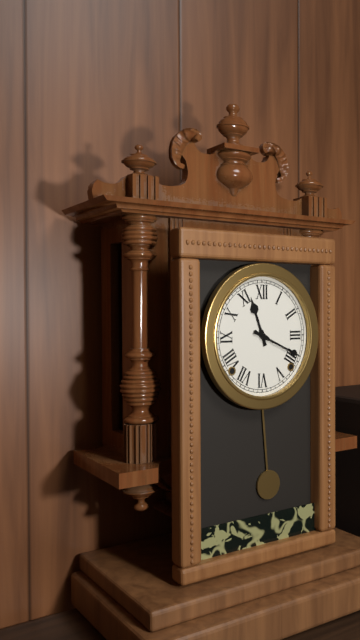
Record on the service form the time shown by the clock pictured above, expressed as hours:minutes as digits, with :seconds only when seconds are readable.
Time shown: 11:19
